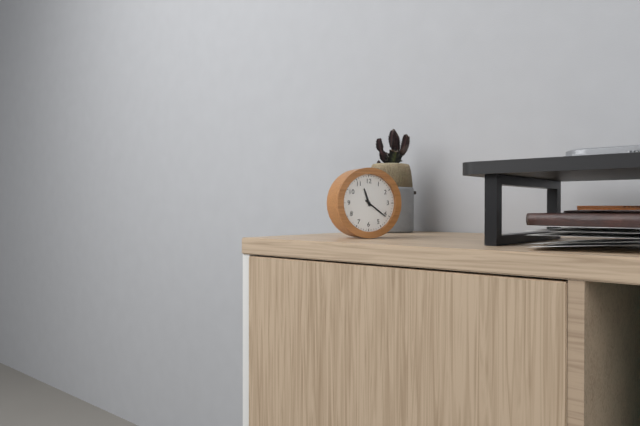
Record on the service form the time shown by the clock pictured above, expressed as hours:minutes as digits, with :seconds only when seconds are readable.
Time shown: 11:21
